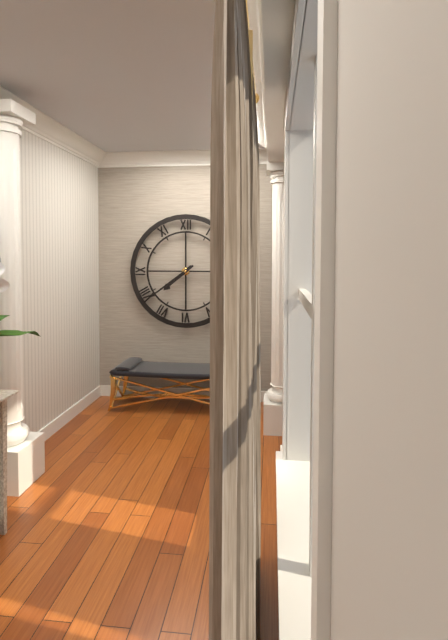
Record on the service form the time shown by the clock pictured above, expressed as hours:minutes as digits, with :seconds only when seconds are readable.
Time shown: 7:39
